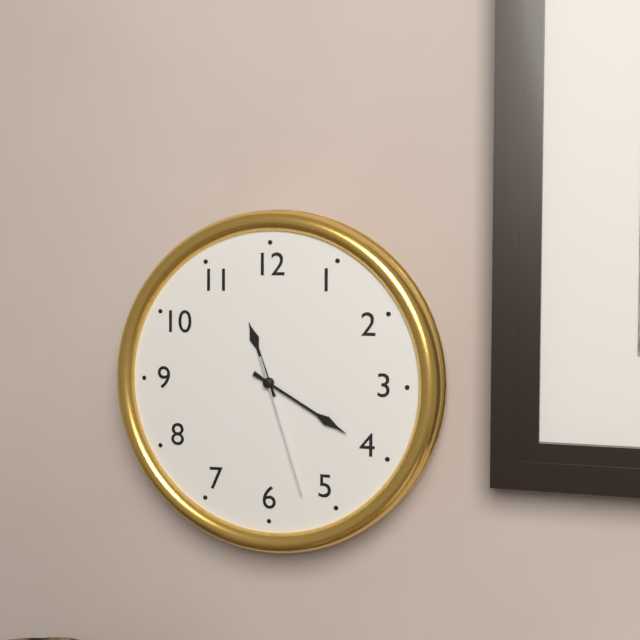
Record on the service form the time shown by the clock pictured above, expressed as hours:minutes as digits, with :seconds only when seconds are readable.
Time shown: 11:20:27
